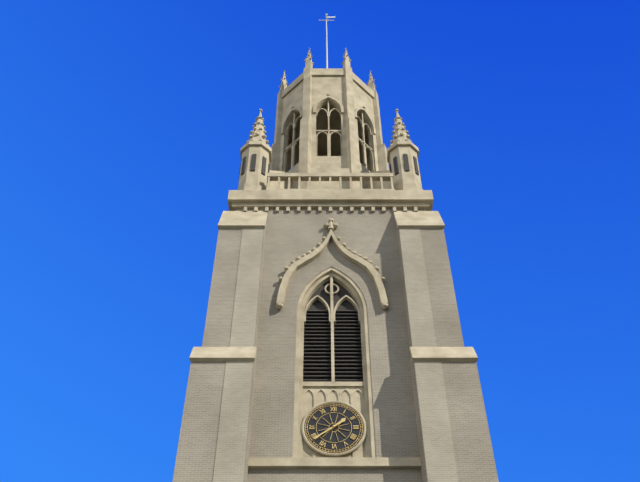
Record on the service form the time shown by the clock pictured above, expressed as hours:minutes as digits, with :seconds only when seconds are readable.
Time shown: 1:39
